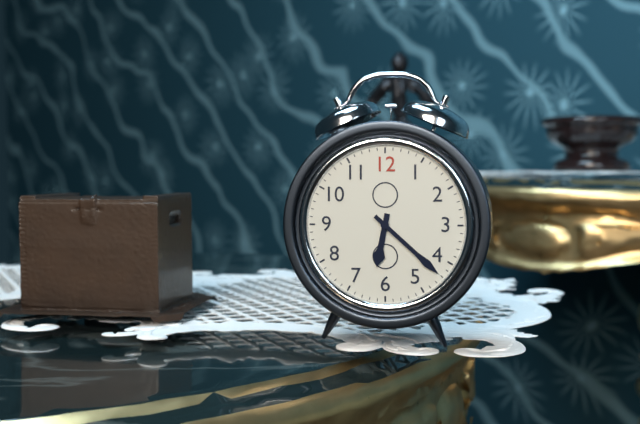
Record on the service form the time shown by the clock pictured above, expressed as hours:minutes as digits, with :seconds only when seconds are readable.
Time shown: 6:22
